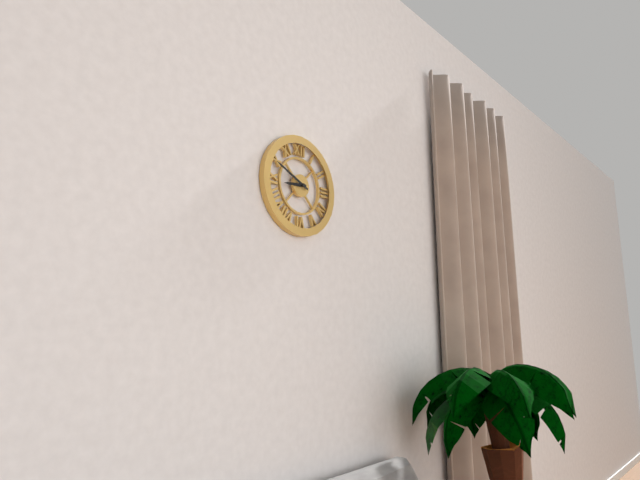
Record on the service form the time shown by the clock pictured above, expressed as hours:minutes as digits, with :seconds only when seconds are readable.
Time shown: 8:49
